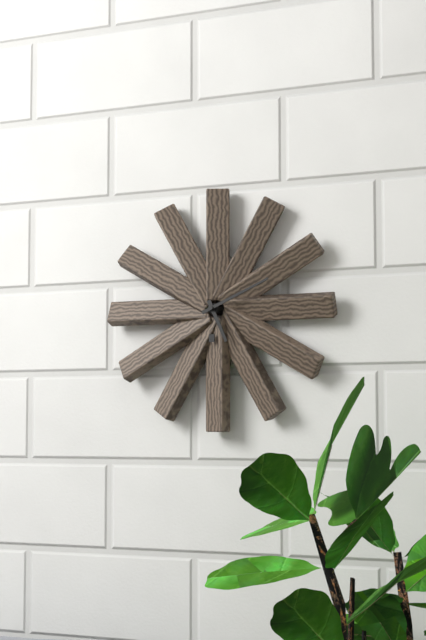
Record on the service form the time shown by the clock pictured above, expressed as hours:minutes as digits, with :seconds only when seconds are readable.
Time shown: 5:11
